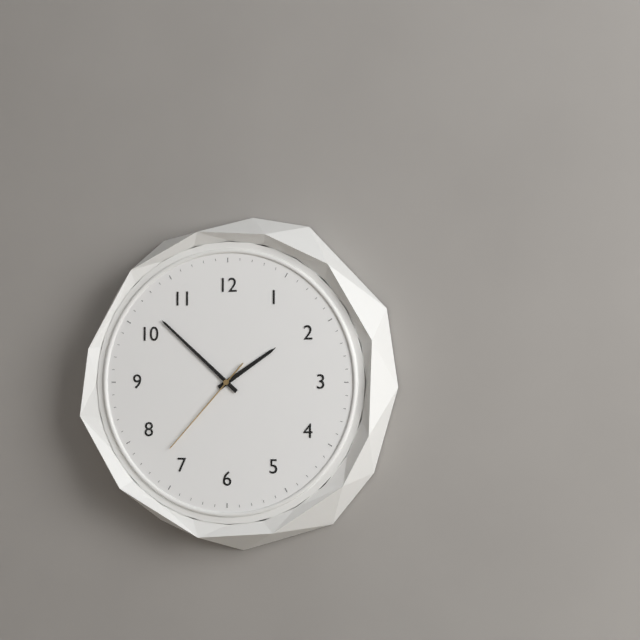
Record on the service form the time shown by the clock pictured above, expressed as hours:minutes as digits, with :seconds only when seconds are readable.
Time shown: 1:52:37
